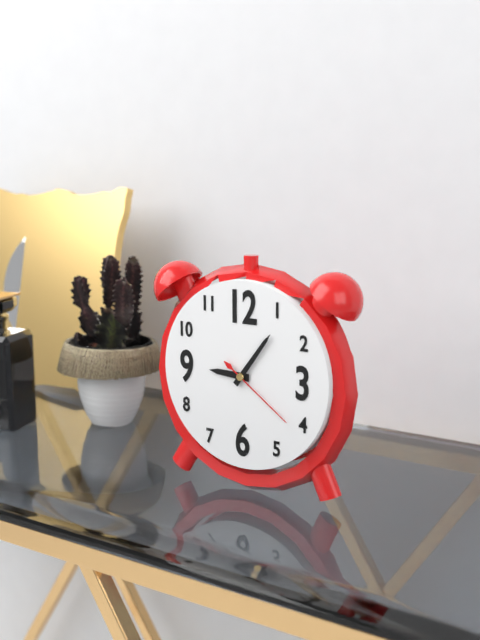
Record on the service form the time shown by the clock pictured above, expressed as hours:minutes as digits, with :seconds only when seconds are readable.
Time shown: 9:06:21
